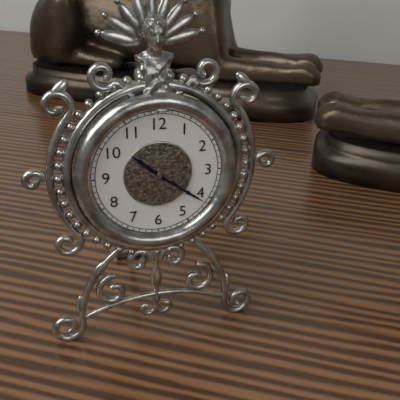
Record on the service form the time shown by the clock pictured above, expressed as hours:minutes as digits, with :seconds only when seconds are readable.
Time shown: 10:21
